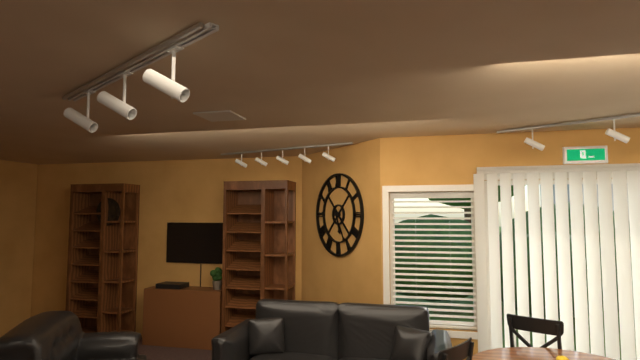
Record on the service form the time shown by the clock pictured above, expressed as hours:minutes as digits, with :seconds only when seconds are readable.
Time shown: 5:25
